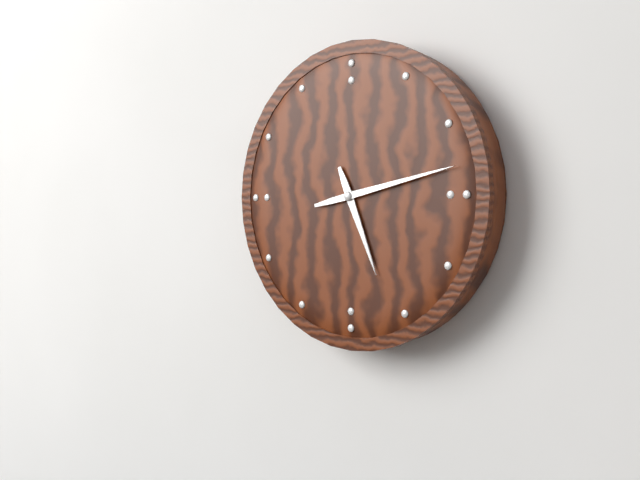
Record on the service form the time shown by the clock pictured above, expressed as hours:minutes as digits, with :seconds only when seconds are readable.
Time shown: 5:13
